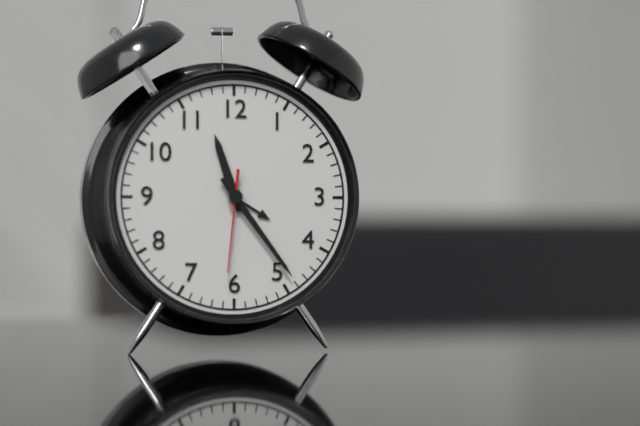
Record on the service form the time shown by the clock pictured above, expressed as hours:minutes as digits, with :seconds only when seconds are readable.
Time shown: 11:24:31
